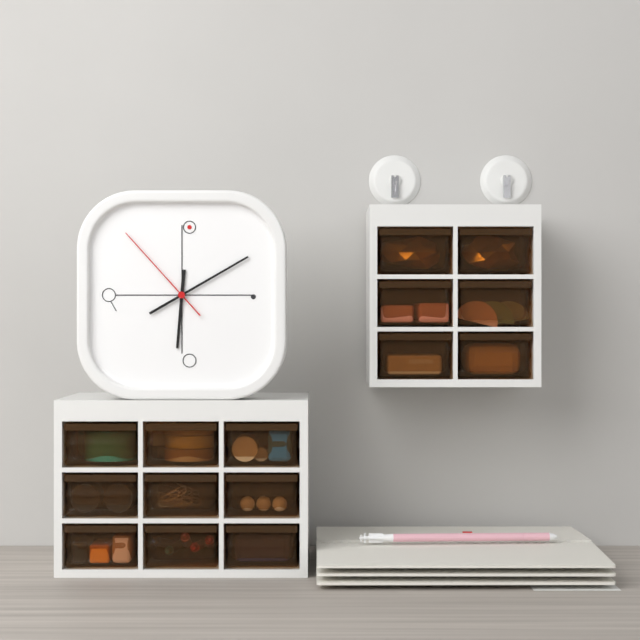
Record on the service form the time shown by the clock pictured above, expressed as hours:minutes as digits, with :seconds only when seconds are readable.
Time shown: 6:10:53
